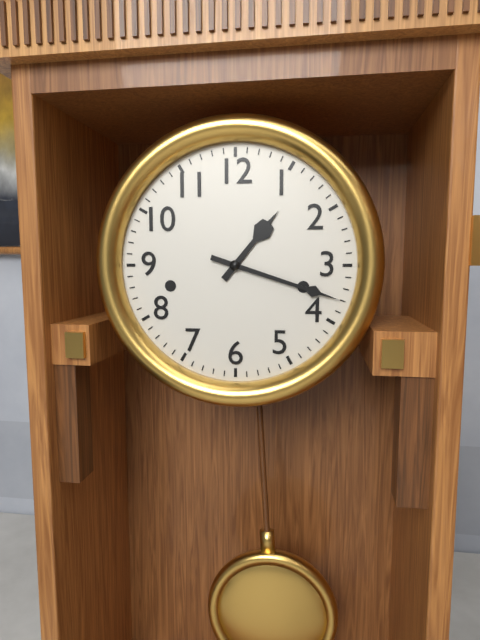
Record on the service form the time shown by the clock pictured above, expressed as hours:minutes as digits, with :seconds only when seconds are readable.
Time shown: 1:18
